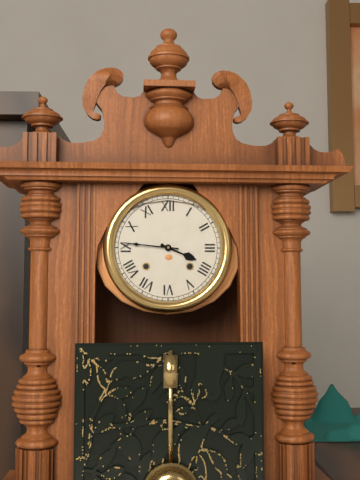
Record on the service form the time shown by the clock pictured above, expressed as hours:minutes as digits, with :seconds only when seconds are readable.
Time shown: 3:46
